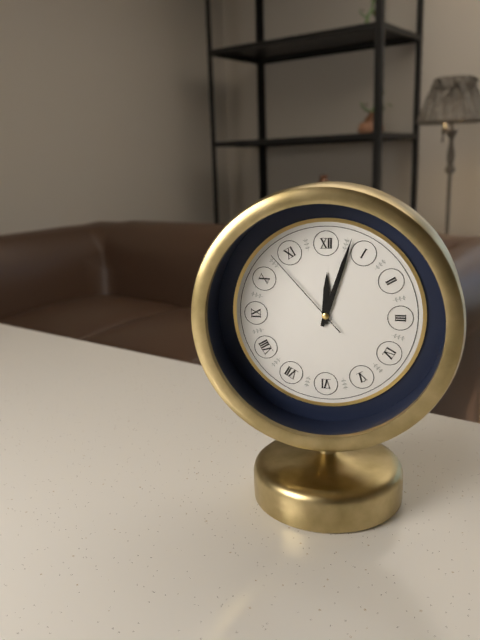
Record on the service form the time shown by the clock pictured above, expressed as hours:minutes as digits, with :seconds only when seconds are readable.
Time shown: 12:03:53
